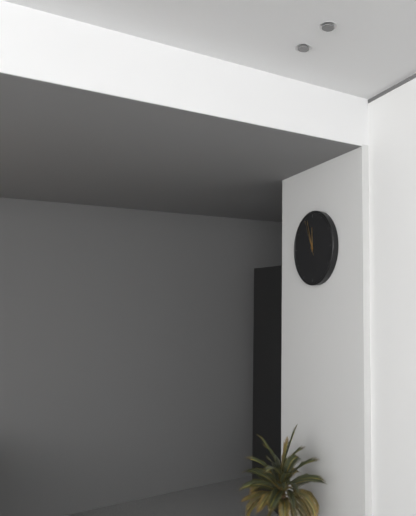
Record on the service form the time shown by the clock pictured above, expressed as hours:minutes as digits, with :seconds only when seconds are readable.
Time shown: 11:57
